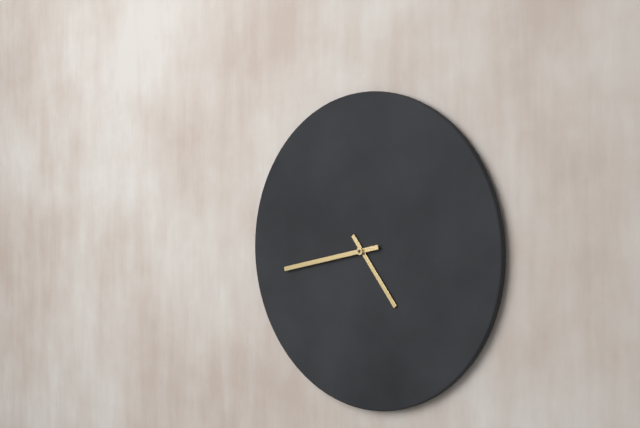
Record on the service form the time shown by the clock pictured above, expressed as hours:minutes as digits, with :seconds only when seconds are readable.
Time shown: 4:43
